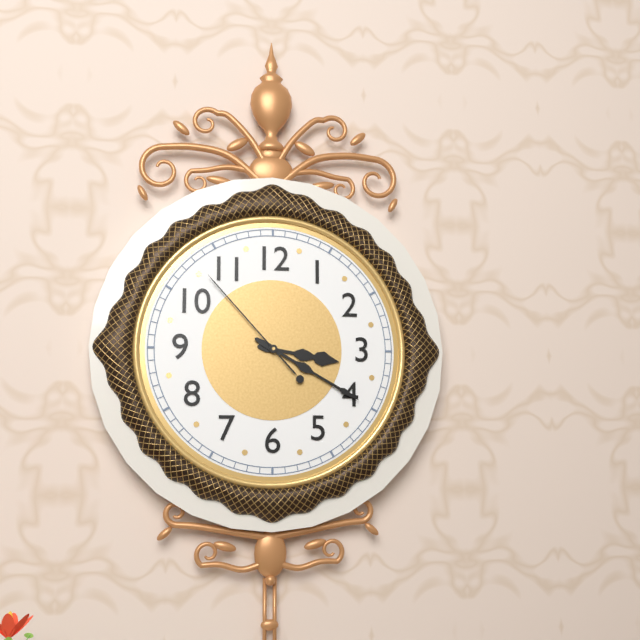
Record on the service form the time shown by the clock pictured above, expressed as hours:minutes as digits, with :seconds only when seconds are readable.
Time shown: 3:20:53
